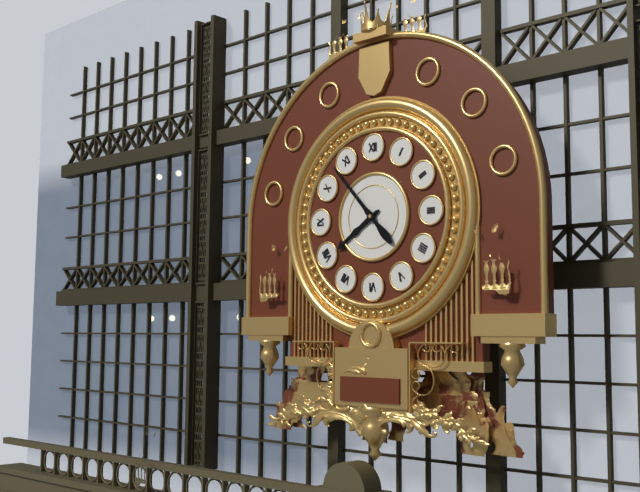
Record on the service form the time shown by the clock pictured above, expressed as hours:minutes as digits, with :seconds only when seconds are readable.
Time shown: 7:53
